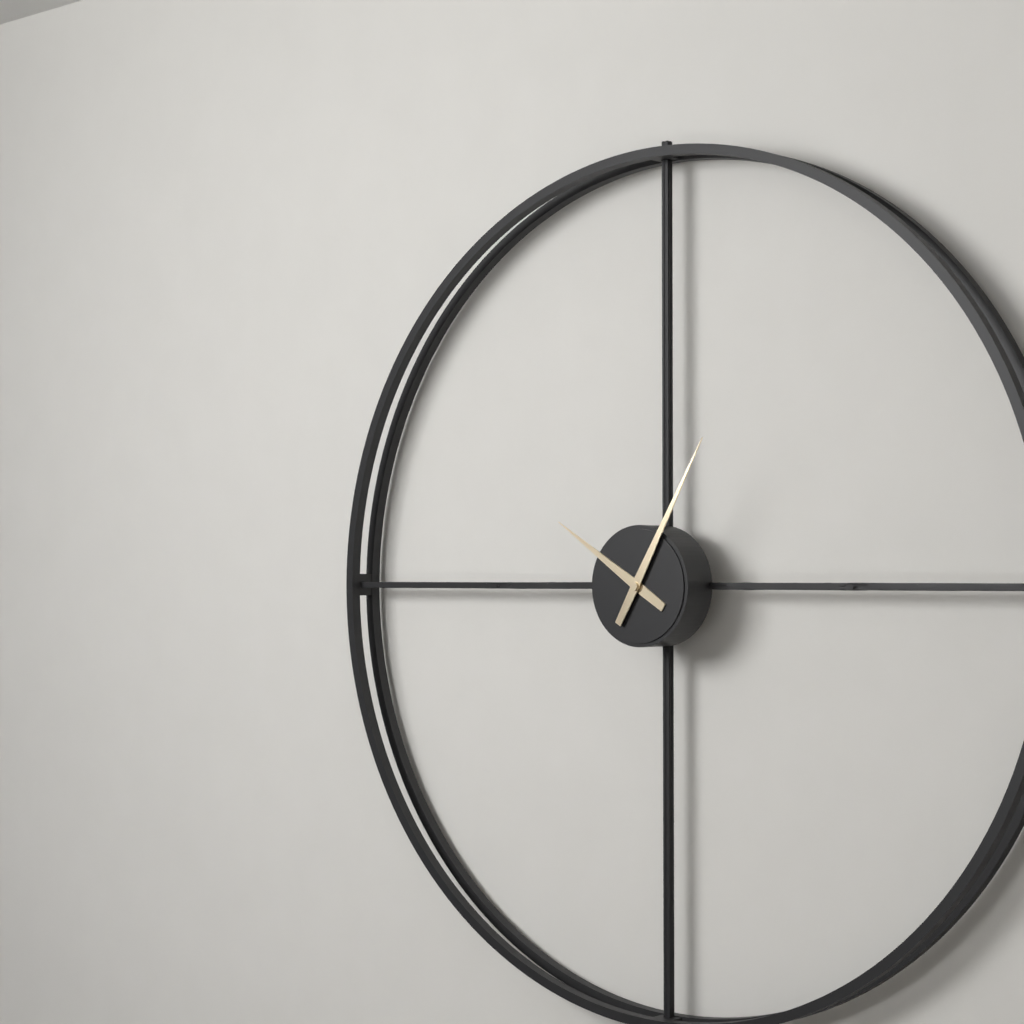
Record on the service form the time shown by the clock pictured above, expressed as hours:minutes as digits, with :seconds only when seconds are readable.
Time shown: 10:05
